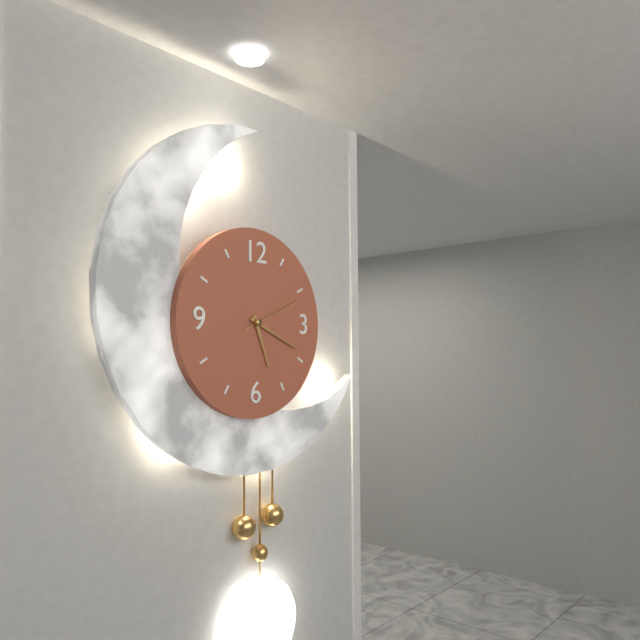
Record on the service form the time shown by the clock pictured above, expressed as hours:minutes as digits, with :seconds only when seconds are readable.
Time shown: 5:19:11
